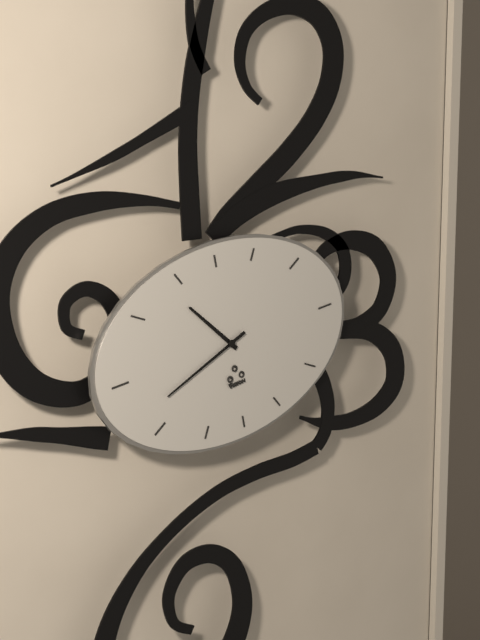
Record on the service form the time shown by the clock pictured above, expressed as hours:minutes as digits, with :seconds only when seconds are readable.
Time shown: 10:42
